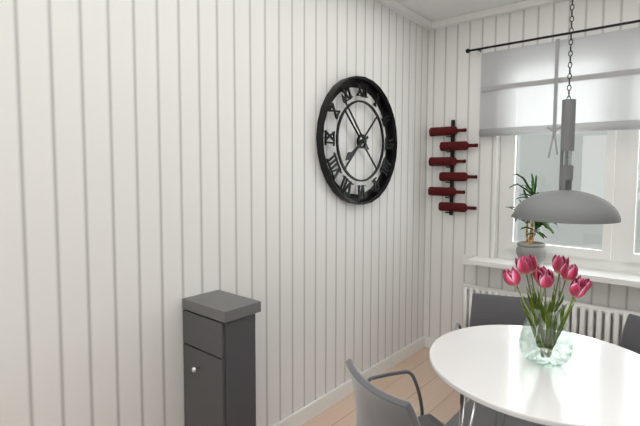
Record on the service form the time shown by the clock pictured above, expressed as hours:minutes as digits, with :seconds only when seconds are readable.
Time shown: 7:53
